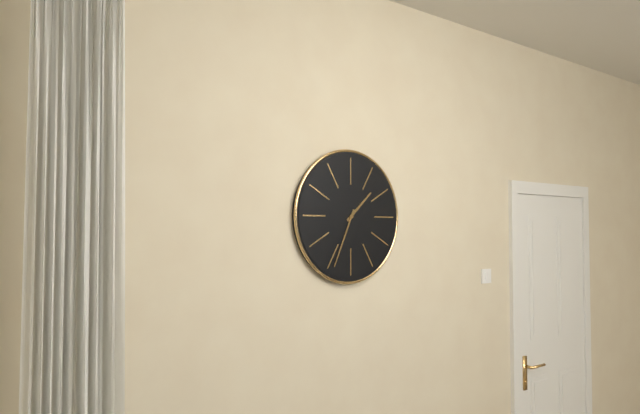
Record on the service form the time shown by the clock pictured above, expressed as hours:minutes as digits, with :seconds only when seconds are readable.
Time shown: 1:34
